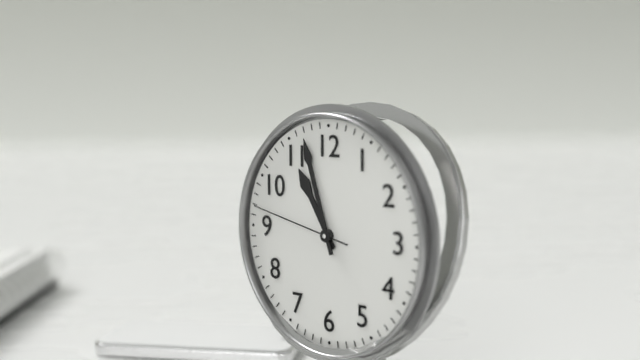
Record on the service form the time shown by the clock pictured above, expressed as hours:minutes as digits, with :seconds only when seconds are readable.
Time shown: 10:57:47
